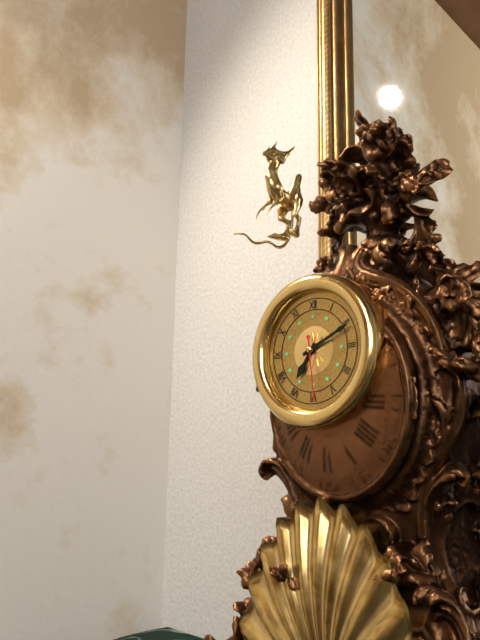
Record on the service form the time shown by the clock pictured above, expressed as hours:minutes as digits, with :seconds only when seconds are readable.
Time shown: 7:11:29
